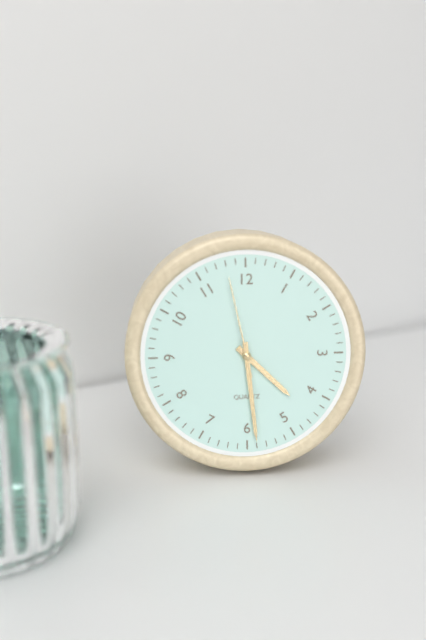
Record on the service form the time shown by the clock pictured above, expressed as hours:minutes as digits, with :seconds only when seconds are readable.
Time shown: 4:29:58
